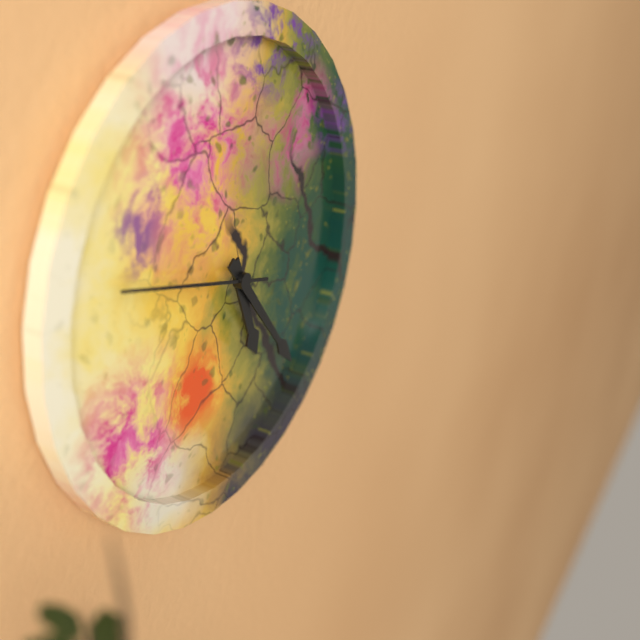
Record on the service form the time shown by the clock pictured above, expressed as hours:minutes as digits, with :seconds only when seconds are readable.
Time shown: 5:24:48
